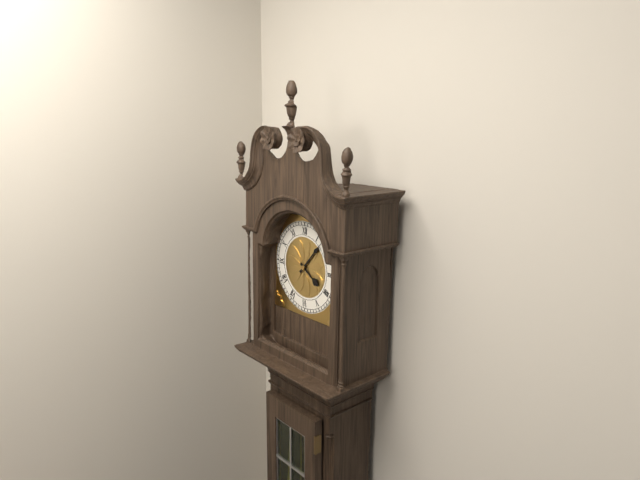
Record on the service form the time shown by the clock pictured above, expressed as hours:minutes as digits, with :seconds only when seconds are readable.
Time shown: 4:07
